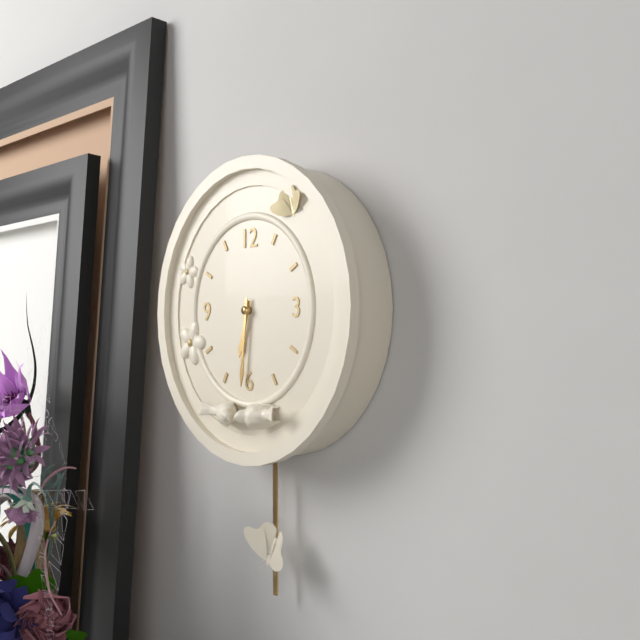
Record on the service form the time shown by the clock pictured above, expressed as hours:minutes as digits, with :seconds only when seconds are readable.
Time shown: 6:31
